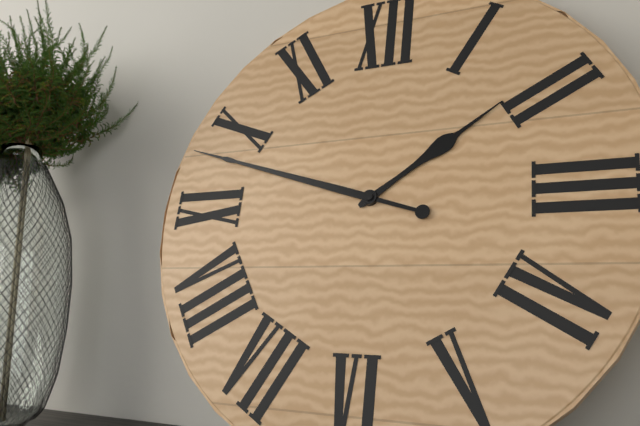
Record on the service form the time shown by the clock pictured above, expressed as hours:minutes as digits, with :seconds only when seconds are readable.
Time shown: 1:48
